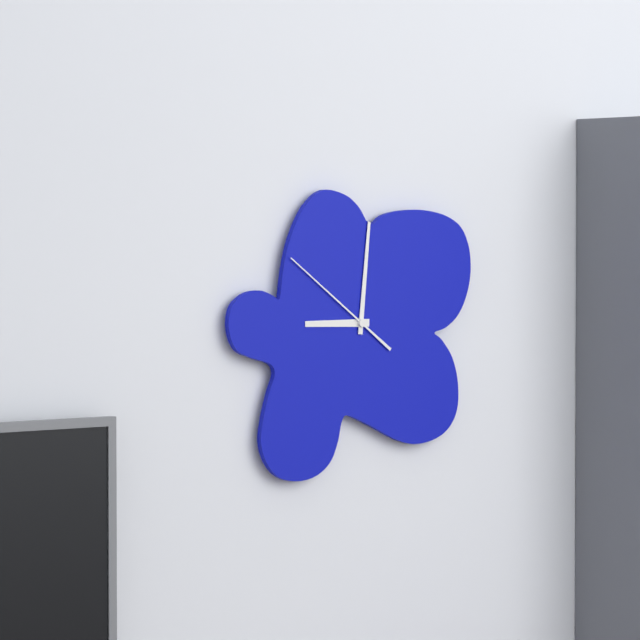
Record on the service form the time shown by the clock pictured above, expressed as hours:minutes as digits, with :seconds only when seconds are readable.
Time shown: 9:01:51
